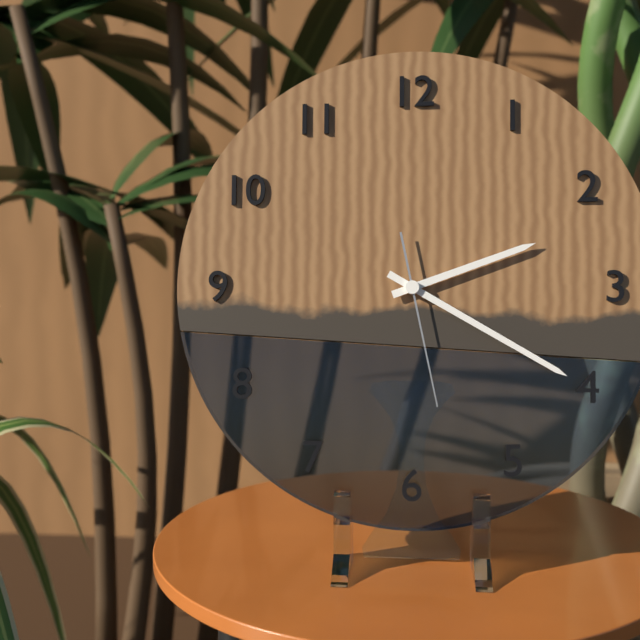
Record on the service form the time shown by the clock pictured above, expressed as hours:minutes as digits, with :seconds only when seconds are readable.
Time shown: 2:20:28
